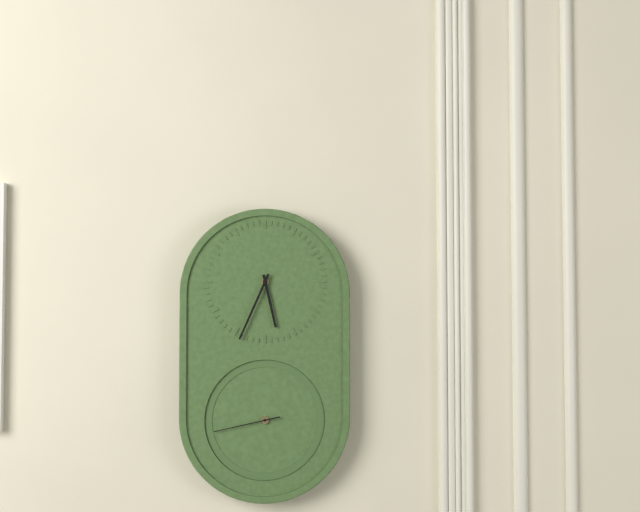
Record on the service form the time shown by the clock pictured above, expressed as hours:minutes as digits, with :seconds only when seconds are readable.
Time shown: 5:34:43
